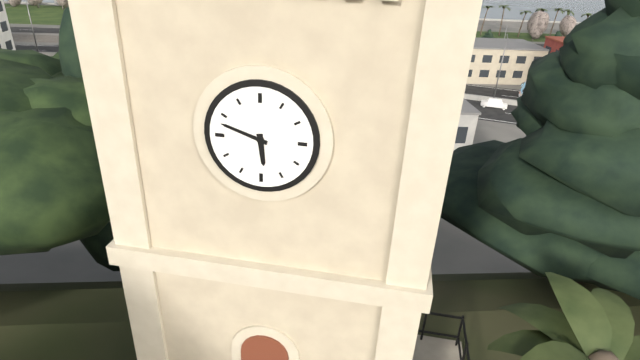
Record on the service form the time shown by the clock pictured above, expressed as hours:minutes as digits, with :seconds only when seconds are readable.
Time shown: 5:48
